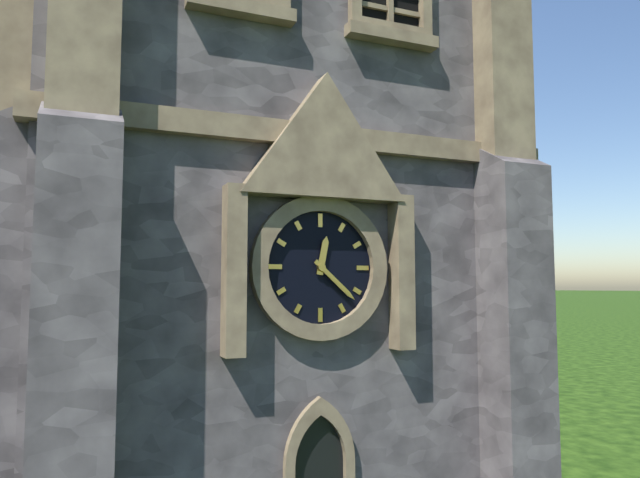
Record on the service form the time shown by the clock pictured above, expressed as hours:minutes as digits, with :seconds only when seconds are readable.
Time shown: 12:22
